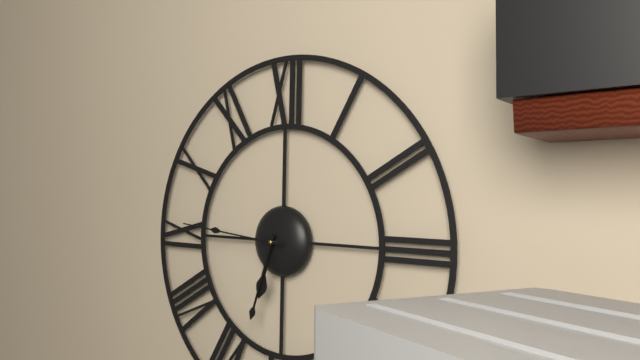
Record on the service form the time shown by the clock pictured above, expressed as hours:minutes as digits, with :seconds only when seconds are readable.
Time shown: 6:33:46
